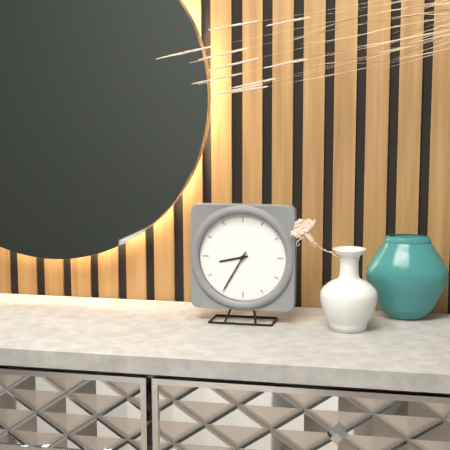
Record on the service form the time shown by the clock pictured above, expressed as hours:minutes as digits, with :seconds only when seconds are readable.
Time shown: 8:35
